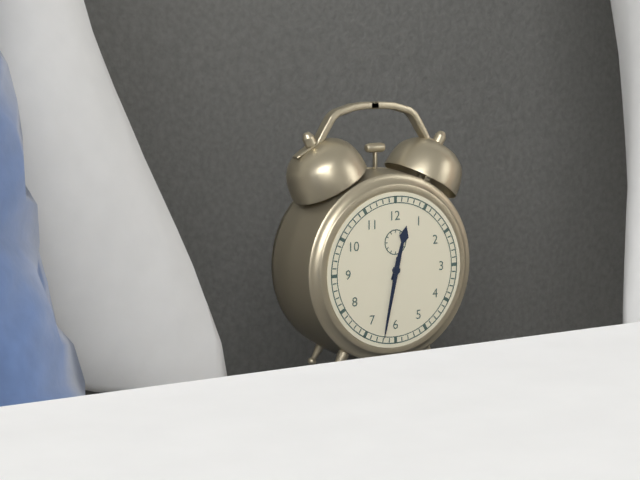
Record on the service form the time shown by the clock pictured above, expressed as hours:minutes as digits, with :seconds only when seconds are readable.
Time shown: 12:32
